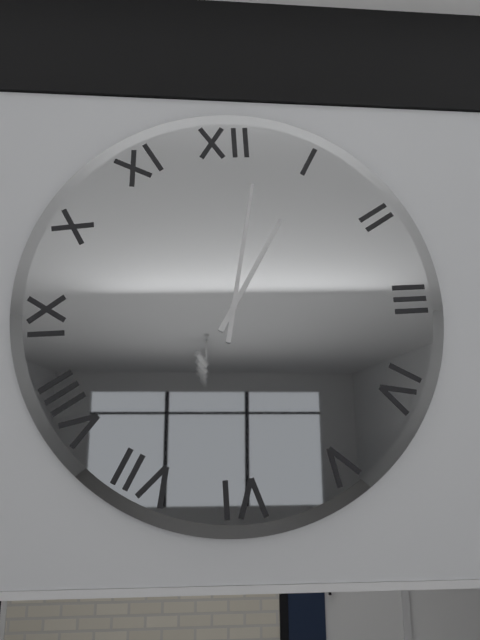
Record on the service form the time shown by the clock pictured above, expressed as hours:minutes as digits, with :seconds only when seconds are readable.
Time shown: 1:02
